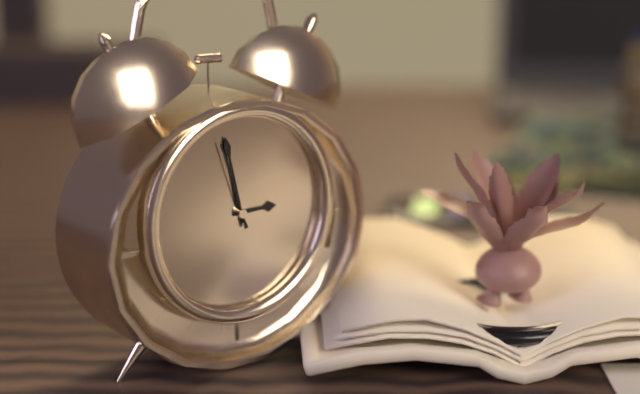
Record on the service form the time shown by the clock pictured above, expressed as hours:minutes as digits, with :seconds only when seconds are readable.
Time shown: 2:58:57
